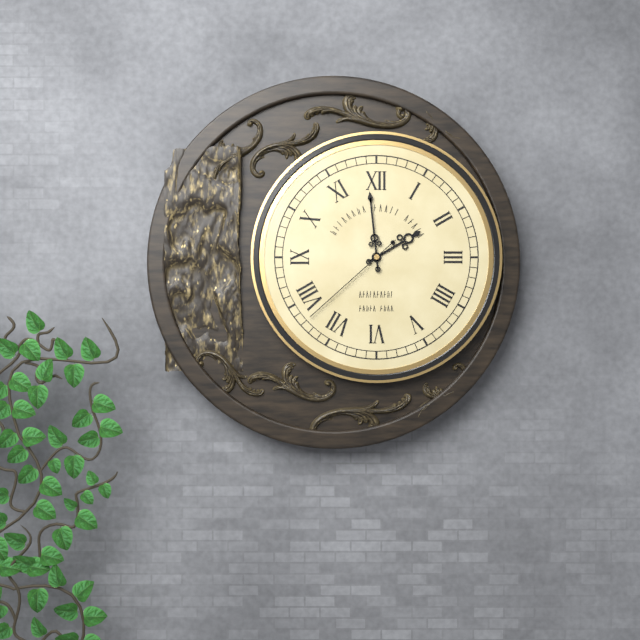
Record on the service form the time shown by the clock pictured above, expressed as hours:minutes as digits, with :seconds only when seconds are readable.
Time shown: 1:59:38
